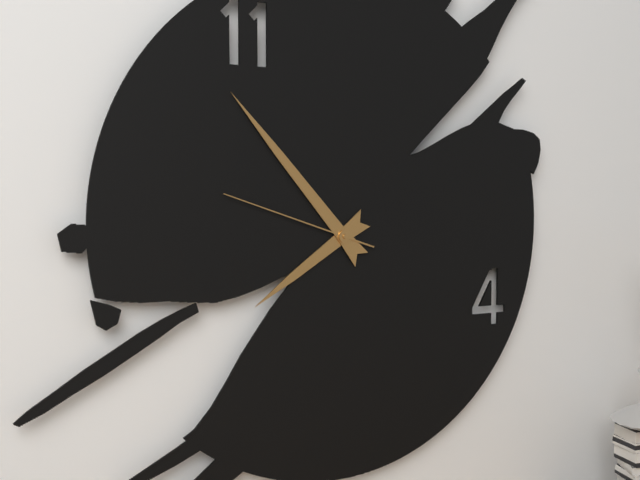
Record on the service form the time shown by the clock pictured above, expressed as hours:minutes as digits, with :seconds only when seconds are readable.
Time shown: 7:53:48
